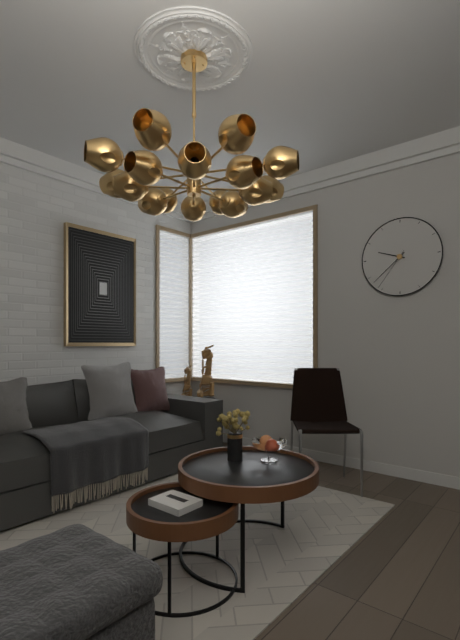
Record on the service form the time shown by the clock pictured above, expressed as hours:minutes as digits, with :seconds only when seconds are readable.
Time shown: 9:38
